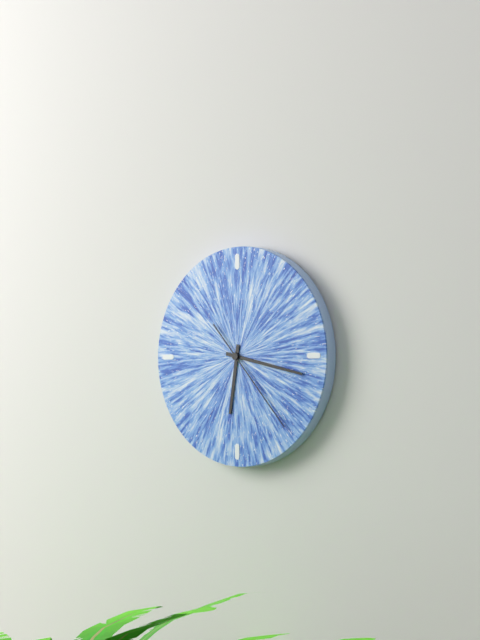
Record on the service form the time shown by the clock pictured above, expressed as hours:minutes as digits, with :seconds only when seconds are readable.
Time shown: 6:17:23
